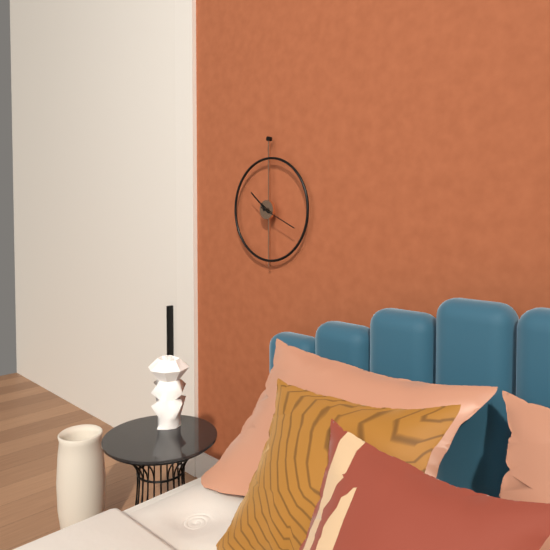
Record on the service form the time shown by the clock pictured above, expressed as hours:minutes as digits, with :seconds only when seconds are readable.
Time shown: 10:19
